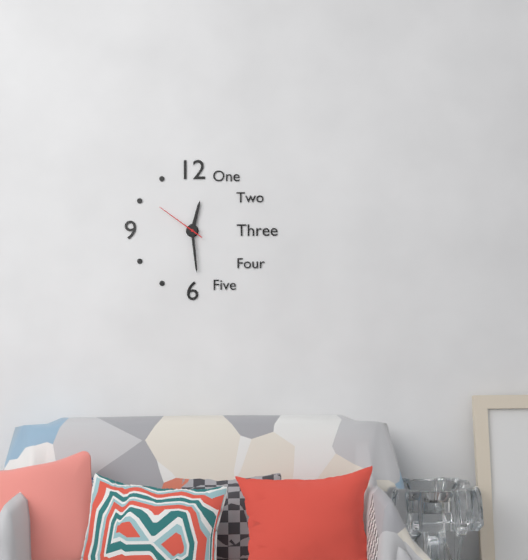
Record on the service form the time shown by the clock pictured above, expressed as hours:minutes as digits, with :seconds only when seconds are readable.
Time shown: 12:29:51
